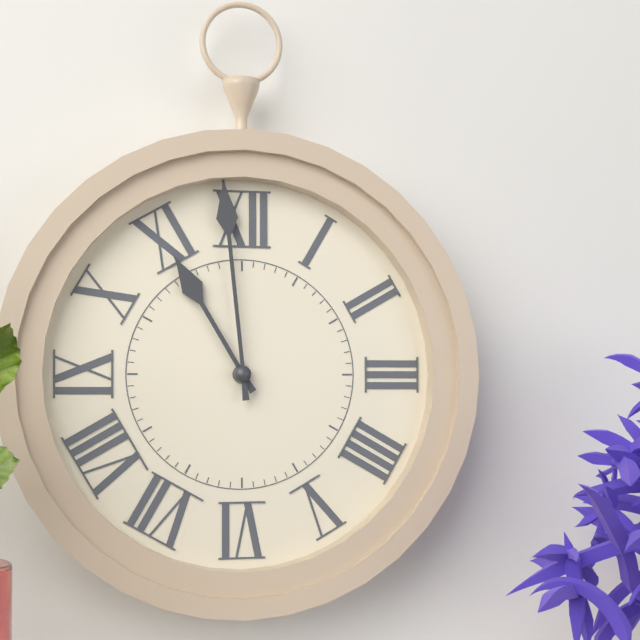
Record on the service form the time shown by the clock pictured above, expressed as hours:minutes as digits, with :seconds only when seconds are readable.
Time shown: 10:59
